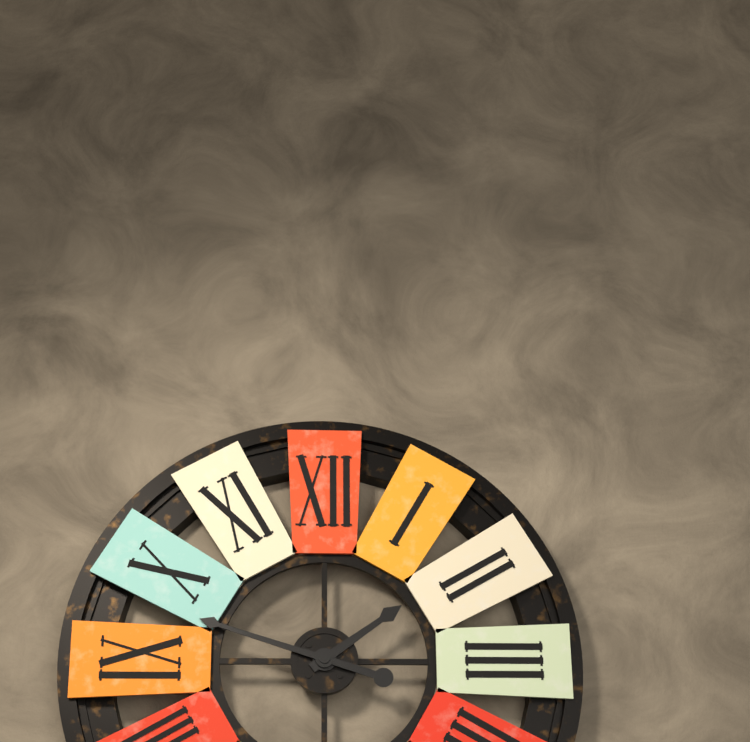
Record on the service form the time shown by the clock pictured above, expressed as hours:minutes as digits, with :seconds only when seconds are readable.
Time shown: 1:48
